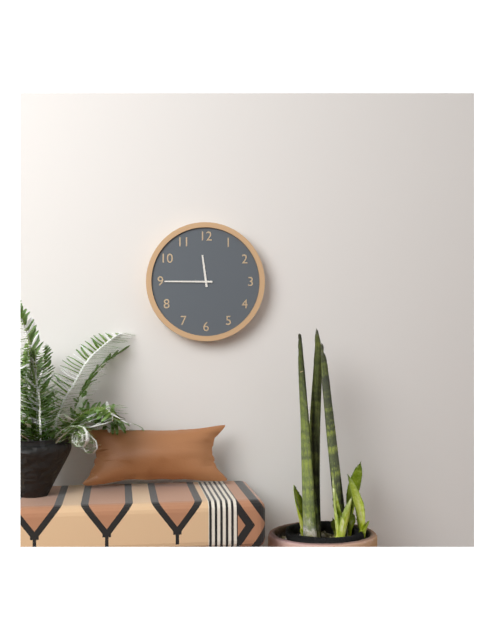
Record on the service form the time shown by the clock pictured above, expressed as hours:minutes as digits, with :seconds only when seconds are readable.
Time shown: 11:45
